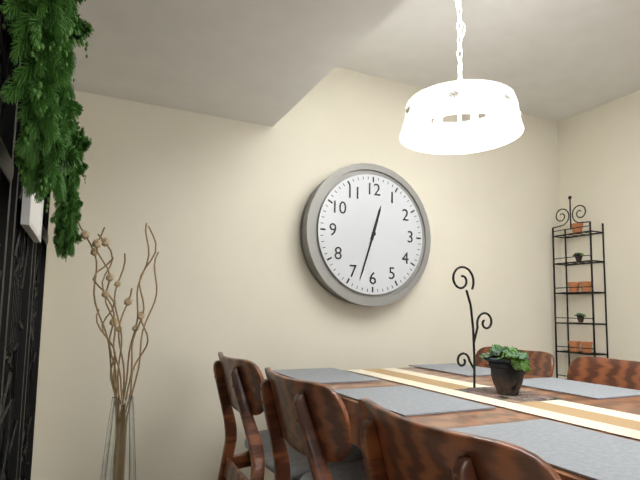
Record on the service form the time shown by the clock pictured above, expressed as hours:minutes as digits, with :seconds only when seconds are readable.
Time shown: 12:33
